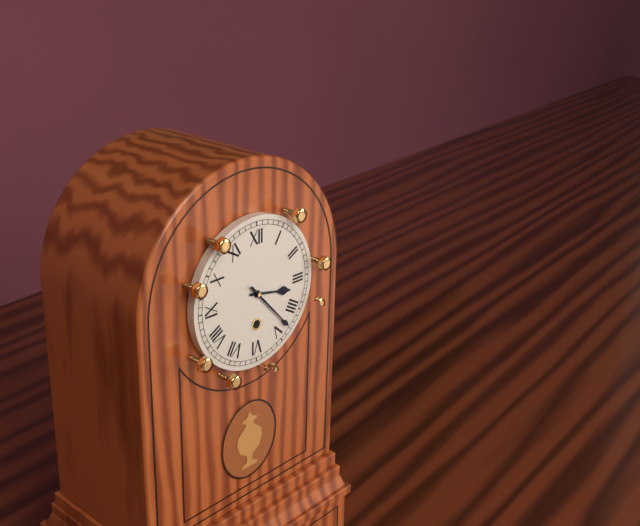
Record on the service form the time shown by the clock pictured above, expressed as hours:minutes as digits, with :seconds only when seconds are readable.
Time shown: 3:23
